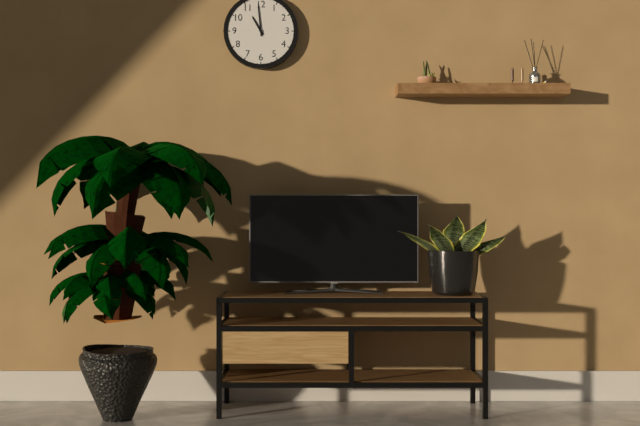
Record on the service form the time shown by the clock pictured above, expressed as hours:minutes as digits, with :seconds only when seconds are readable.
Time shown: 10:59
